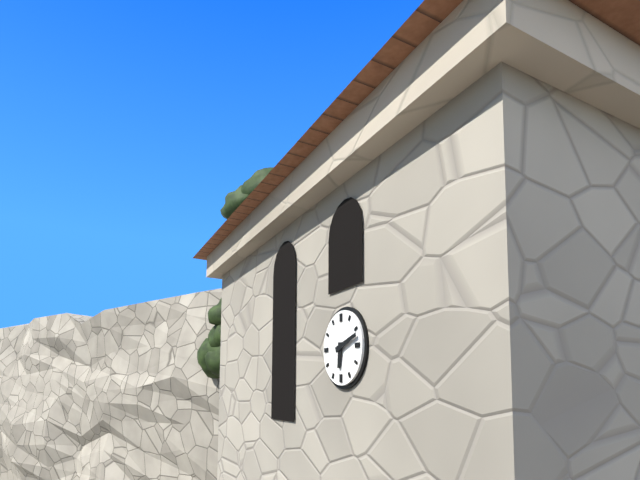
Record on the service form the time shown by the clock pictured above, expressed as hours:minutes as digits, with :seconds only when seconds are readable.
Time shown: 6:12
